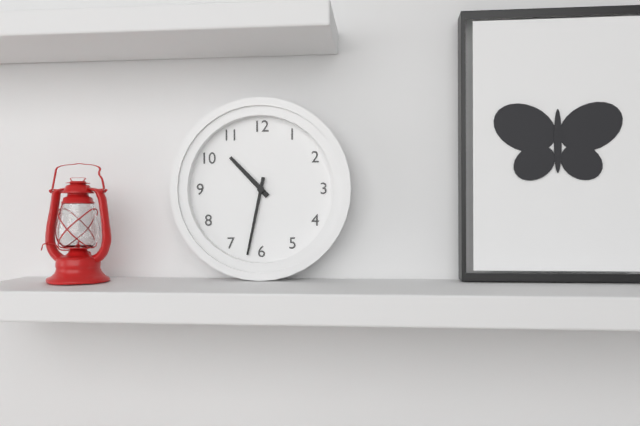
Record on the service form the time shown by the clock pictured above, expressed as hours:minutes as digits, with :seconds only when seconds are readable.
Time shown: 10:32
